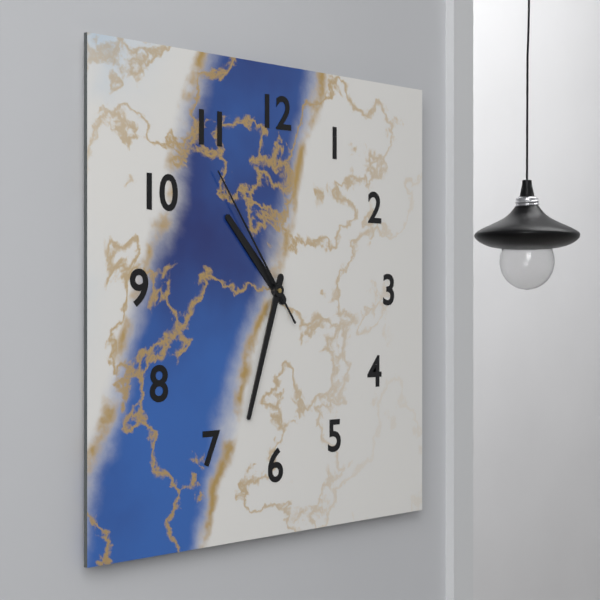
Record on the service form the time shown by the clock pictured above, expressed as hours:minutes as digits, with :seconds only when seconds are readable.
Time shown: 10:33:54
